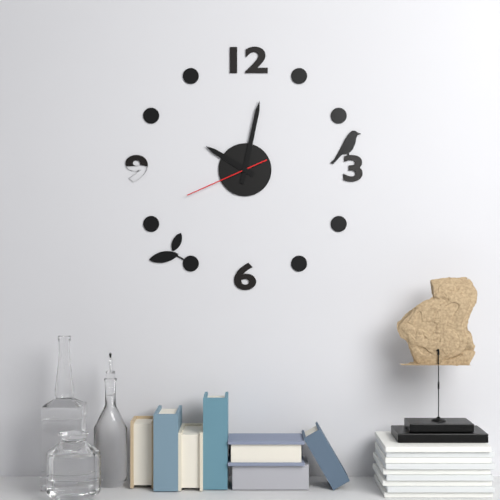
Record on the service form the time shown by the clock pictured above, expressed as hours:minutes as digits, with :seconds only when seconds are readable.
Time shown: 10:02:41
